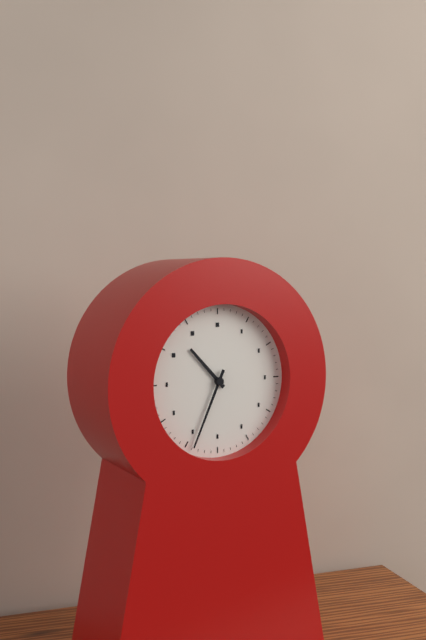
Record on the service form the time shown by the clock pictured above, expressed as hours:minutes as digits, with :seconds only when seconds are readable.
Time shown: 10:34
